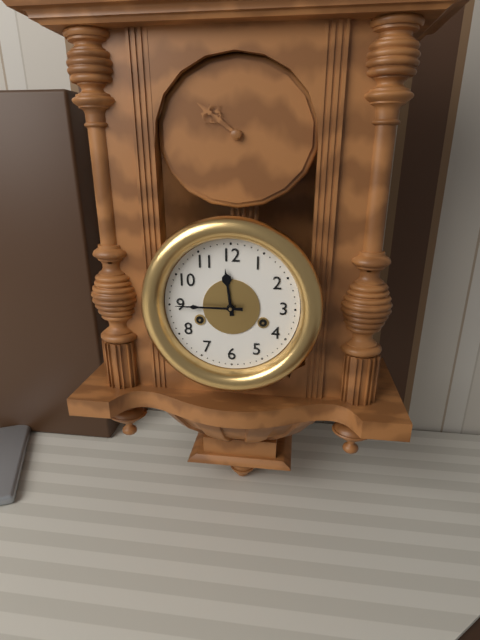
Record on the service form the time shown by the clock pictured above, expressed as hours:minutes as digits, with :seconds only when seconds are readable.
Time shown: 11:45
